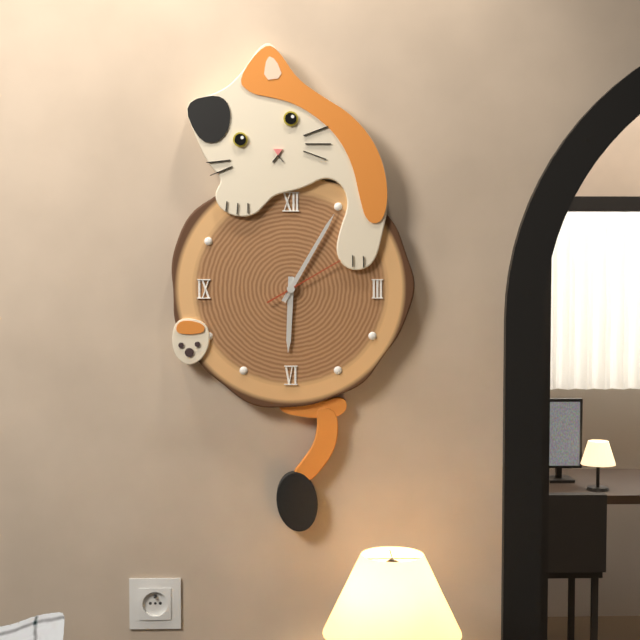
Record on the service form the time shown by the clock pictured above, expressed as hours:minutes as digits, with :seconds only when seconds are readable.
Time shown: 6:05
